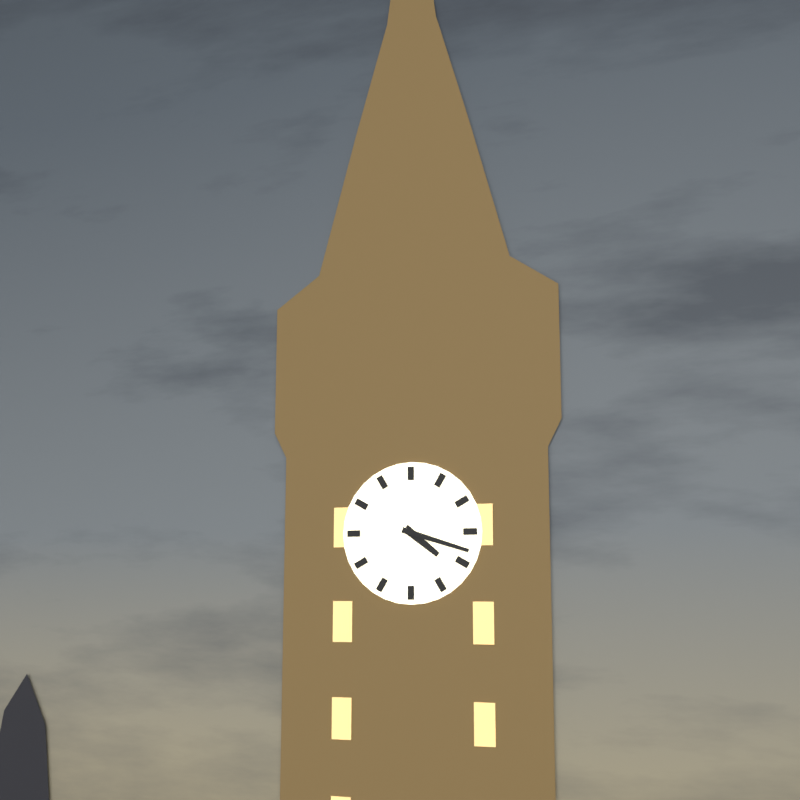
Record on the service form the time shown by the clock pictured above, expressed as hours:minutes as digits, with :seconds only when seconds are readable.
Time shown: 4:18
